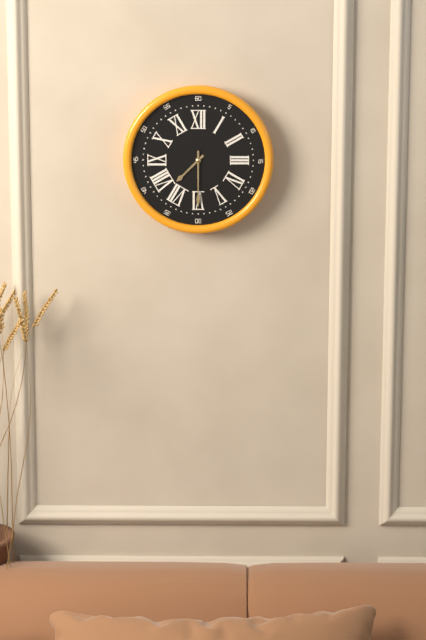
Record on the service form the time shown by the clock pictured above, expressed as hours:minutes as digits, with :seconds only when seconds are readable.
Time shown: 7:30
